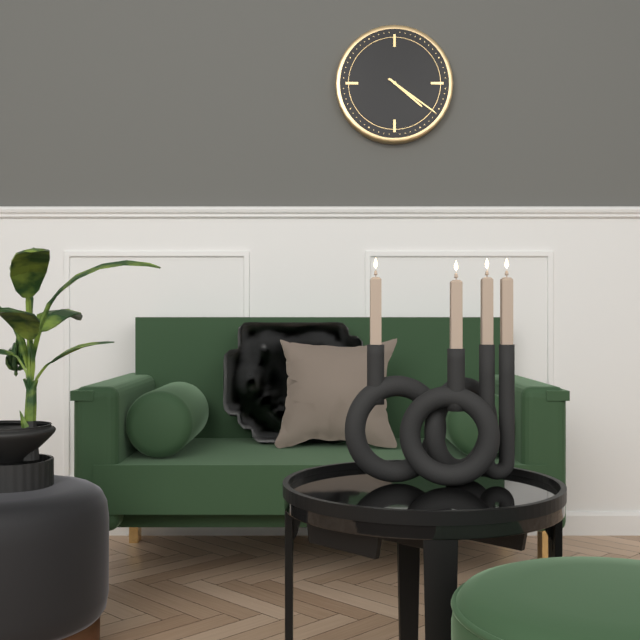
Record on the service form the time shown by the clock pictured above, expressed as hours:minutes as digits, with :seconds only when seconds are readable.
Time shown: 4:21
